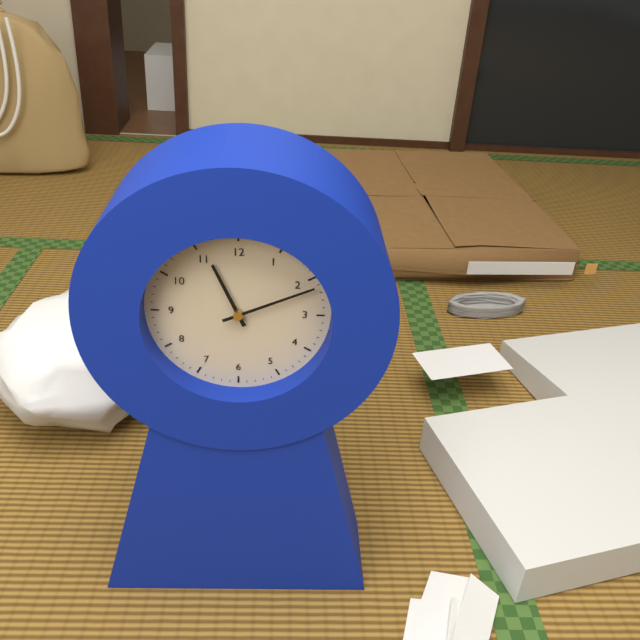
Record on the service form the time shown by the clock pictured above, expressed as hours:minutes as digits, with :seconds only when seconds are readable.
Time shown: 11:11
